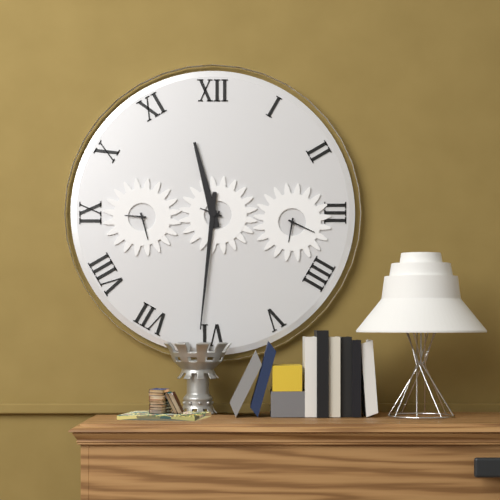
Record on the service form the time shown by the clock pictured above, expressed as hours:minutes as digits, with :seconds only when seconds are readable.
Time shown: 11:31
